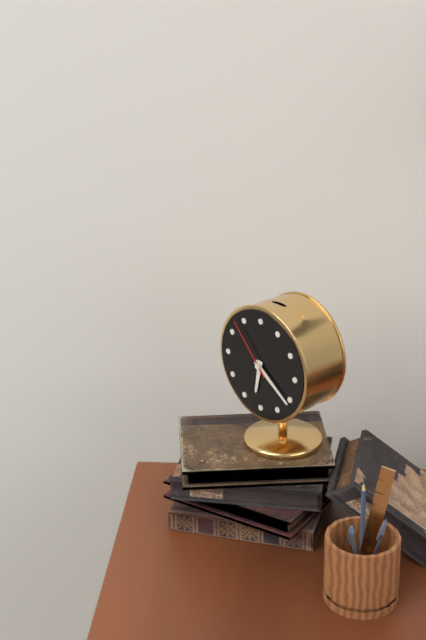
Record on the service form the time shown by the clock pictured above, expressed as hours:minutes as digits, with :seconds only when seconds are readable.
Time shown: 6:21:53
